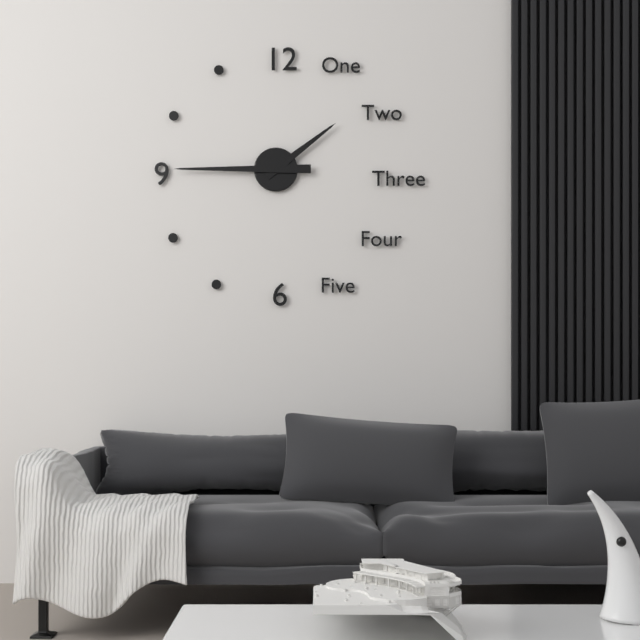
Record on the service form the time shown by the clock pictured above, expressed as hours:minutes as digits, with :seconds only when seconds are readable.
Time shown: 1:45
